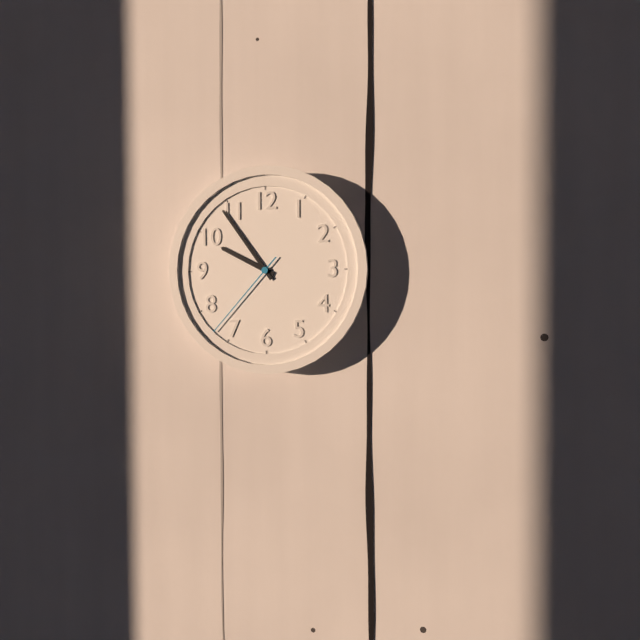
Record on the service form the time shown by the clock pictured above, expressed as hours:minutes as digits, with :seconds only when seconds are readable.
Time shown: 9:54:37
